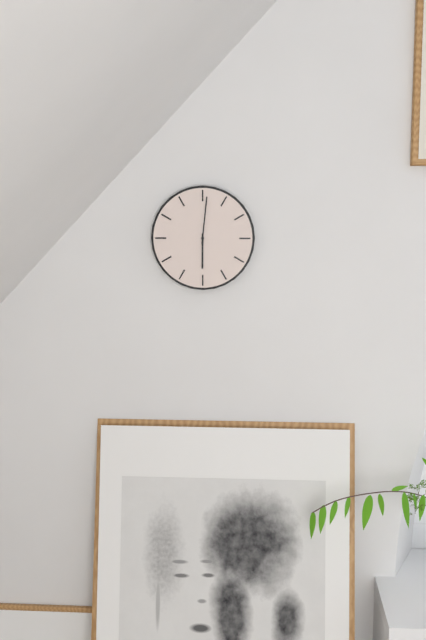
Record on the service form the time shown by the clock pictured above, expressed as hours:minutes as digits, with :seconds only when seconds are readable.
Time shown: 6:01
